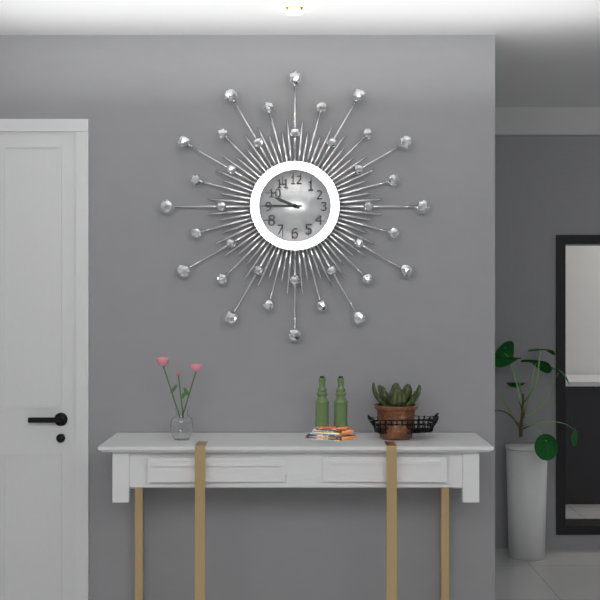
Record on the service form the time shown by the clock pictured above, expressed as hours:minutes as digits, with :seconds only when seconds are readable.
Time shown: 9:45
